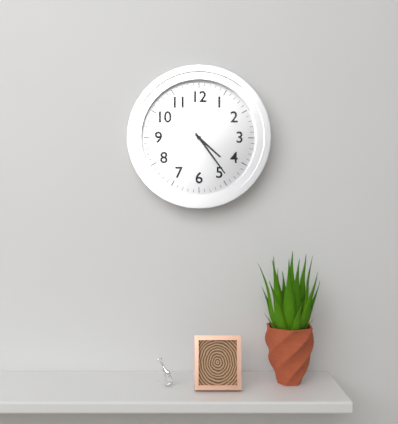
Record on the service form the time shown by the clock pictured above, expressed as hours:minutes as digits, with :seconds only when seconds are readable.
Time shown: 4:24
